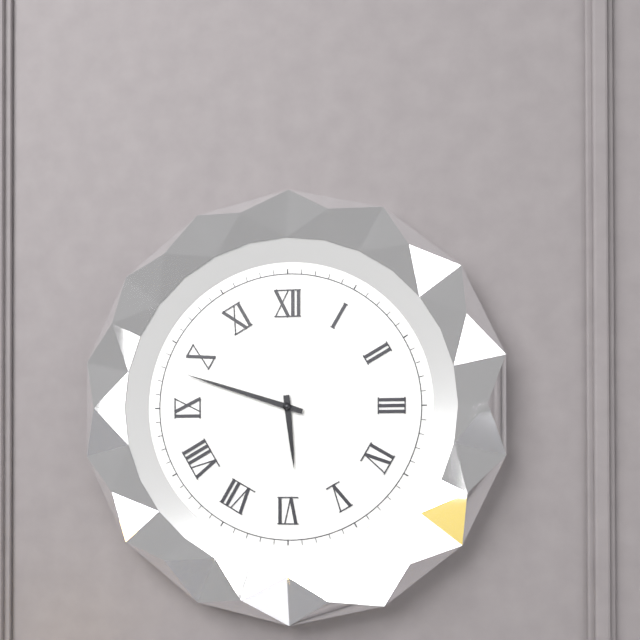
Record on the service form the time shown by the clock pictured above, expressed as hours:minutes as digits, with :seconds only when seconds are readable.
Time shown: 5:48
